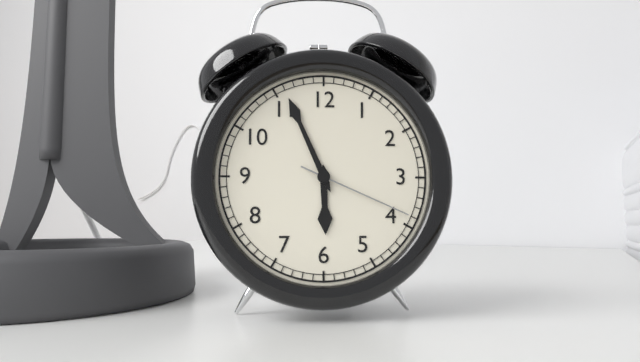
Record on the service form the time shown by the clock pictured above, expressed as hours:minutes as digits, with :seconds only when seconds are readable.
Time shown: 5:56:19
